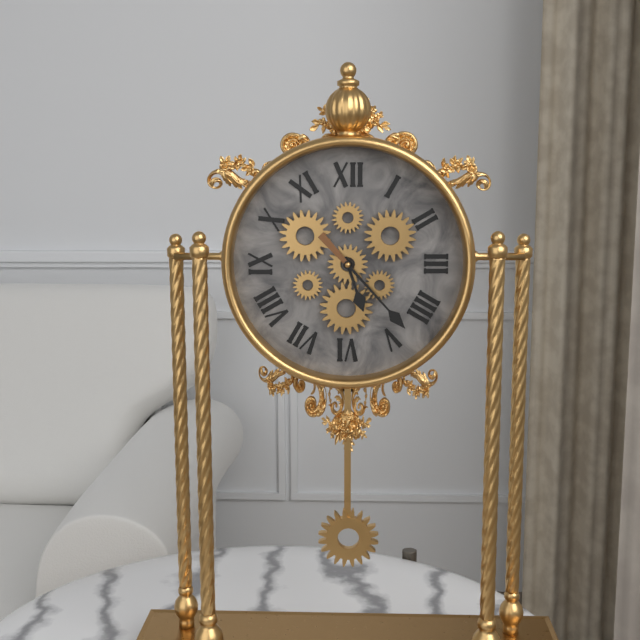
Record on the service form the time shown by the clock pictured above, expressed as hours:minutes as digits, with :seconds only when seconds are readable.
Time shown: 5:23
